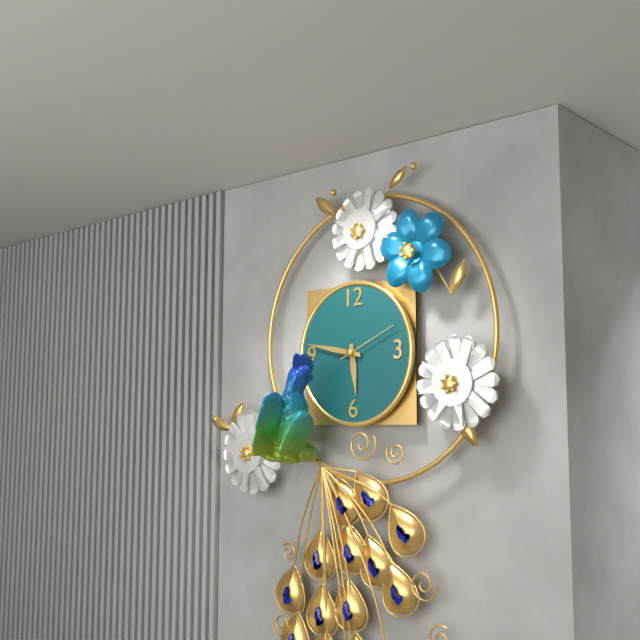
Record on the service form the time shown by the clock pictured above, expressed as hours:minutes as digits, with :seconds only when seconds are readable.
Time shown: 5:47:11
